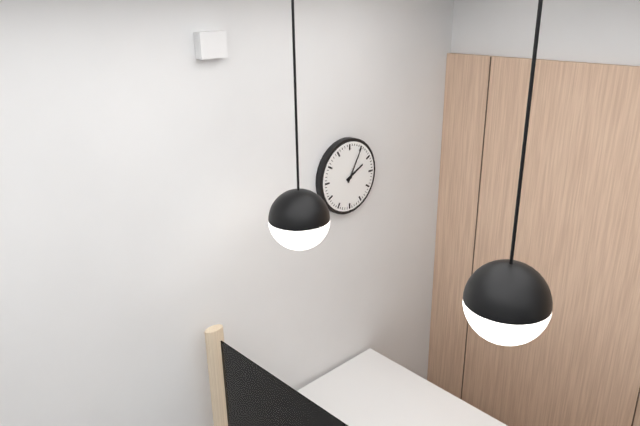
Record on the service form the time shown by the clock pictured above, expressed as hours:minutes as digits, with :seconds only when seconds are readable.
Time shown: 2:05
